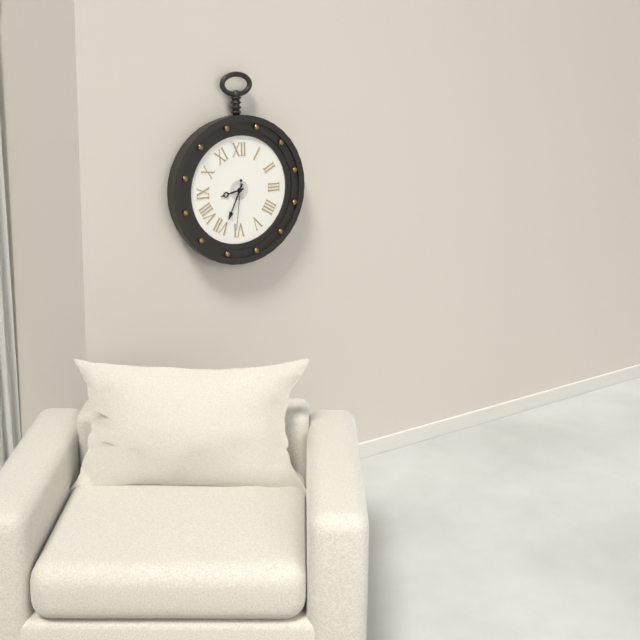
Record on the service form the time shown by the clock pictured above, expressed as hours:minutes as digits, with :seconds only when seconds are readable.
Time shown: 8:34:31
